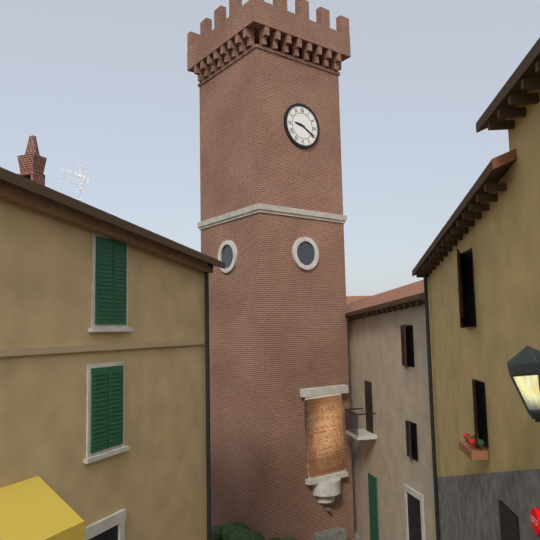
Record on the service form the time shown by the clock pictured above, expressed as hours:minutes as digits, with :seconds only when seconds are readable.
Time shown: 9:20
